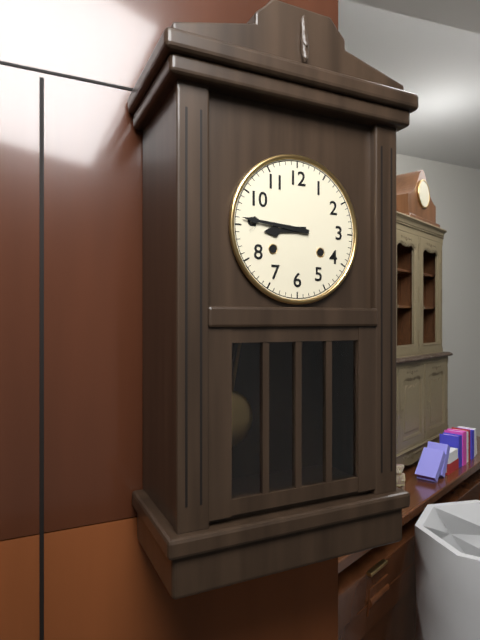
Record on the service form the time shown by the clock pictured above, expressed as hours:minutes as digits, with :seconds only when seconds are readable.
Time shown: 8:46
